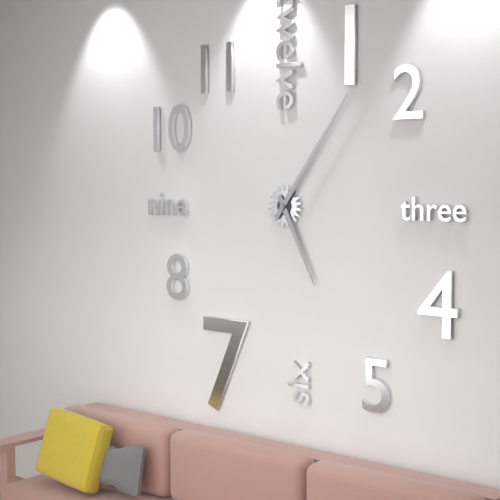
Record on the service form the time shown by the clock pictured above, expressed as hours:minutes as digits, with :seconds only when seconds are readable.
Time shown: 5:06
